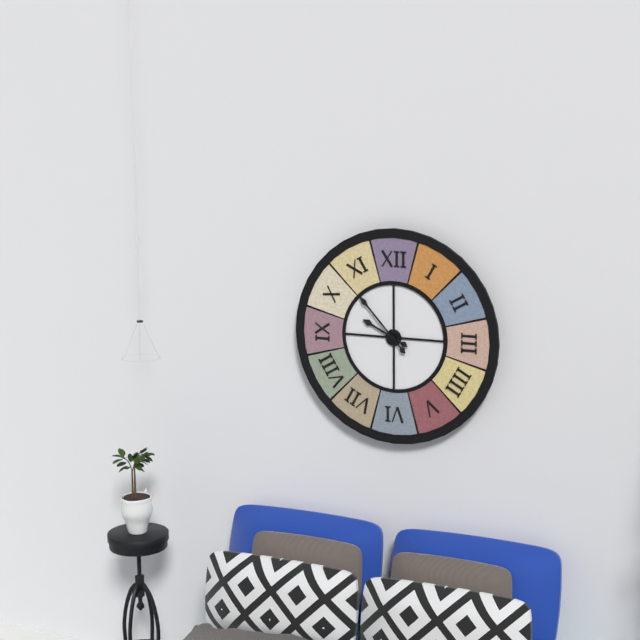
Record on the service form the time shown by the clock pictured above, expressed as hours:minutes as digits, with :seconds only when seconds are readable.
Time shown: 9:53
